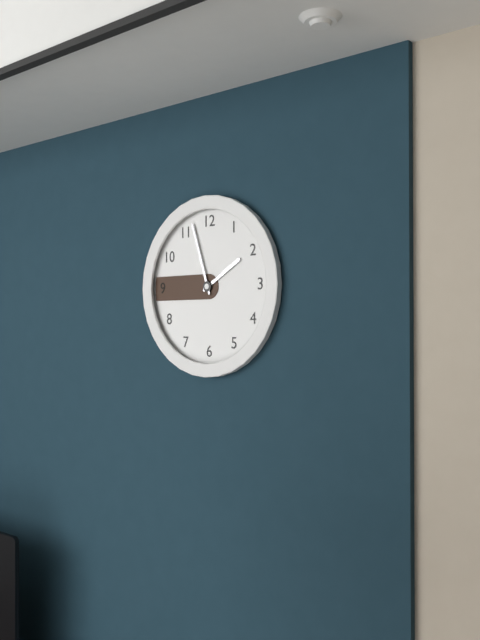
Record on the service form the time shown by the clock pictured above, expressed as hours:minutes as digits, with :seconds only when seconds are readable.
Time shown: 1:57
